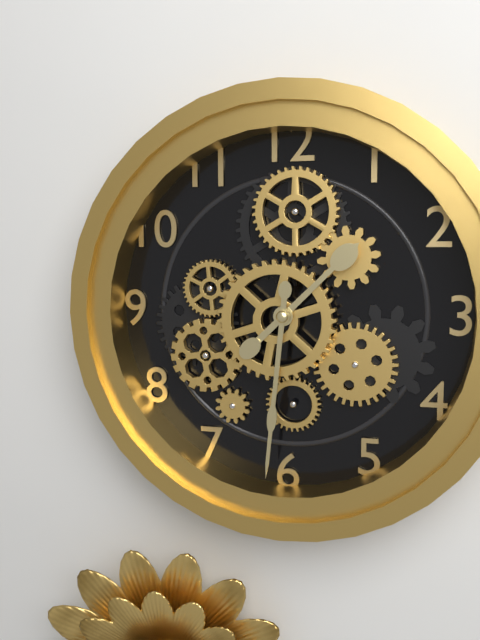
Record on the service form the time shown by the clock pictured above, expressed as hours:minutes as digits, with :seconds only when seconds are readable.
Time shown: 1:31
